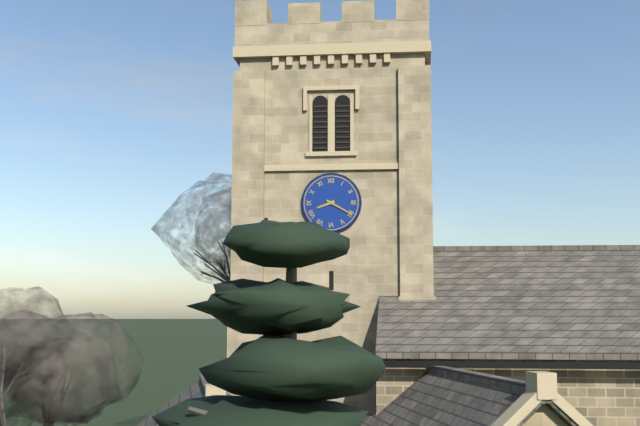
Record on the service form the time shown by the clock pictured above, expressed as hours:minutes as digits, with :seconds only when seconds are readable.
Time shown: 8:20
